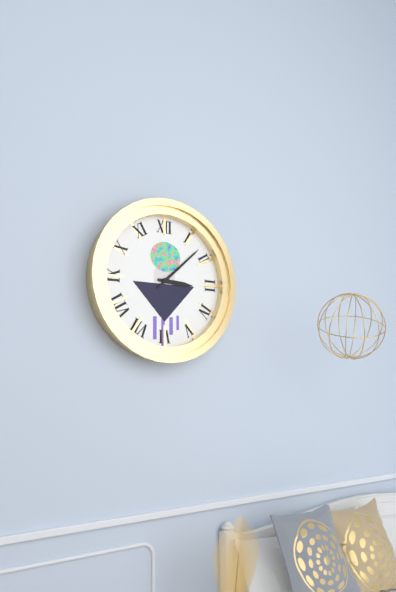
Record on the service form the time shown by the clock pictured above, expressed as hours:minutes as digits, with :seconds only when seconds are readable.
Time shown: 3:08
